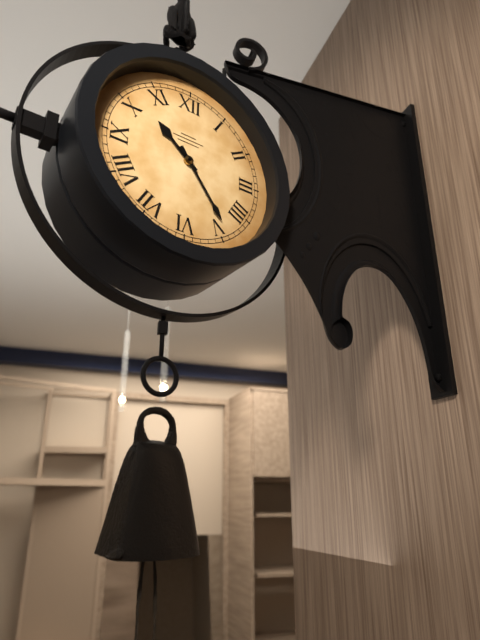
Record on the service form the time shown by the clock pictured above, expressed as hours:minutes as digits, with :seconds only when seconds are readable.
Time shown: 10:24
